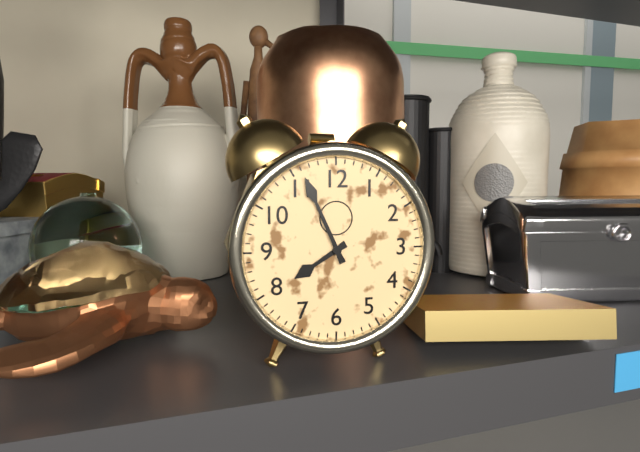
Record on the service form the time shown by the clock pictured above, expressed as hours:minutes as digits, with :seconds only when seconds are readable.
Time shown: 7:56
